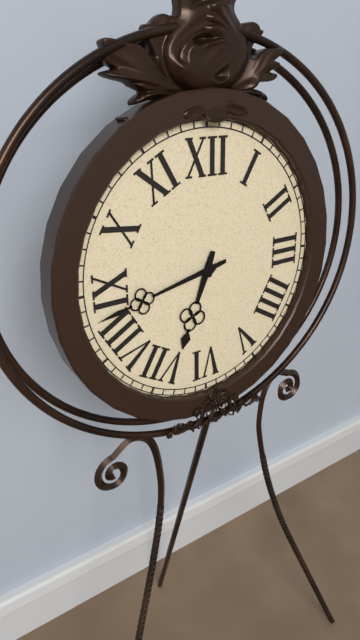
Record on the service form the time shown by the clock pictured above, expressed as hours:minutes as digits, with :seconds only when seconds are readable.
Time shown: 6:43
